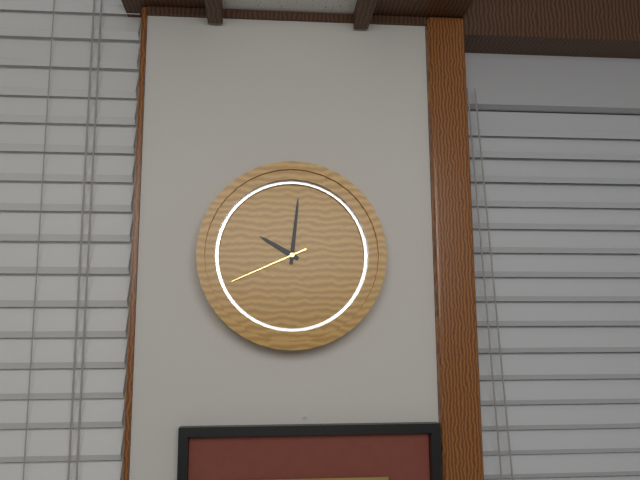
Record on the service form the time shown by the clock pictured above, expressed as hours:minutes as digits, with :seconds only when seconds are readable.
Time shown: 10:01:41
